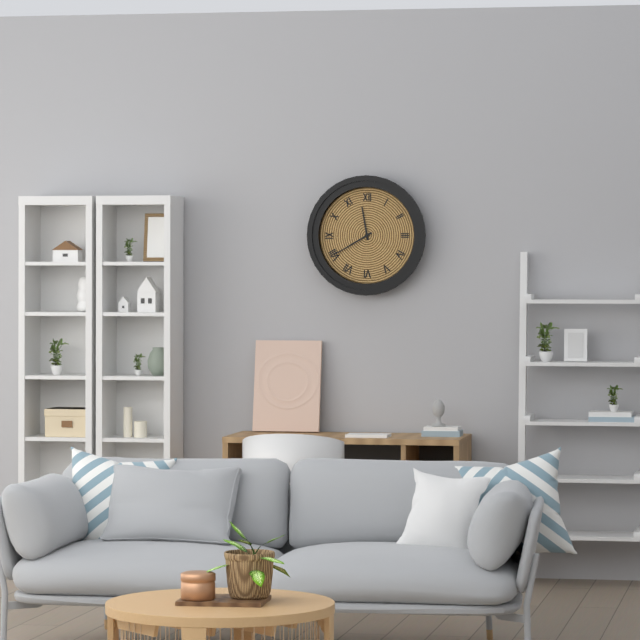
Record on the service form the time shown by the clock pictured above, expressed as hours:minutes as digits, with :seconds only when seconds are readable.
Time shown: 11:40
